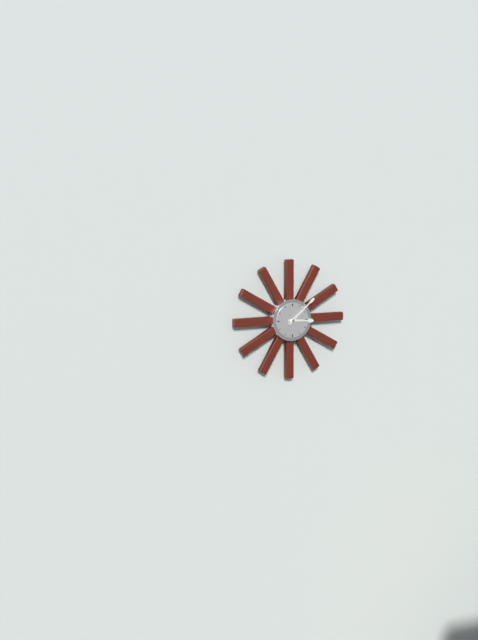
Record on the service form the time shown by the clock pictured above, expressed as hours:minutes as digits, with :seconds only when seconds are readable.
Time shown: 3:08
